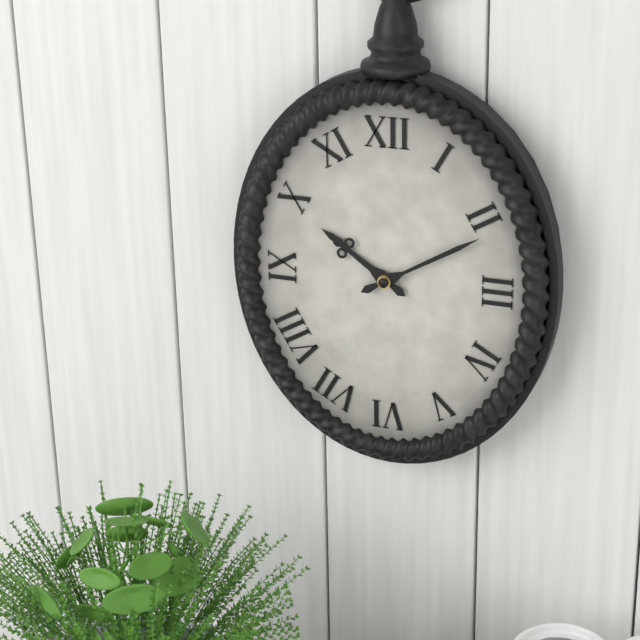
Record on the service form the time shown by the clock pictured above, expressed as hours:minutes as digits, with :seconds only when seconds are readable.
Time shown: 10:10
